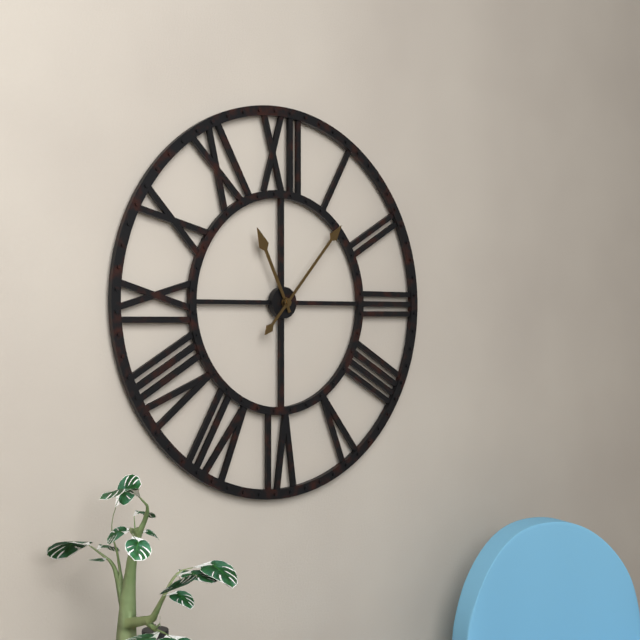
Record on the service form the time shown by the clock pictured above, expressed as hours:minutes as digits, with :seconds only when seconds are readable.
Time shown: 11:07
